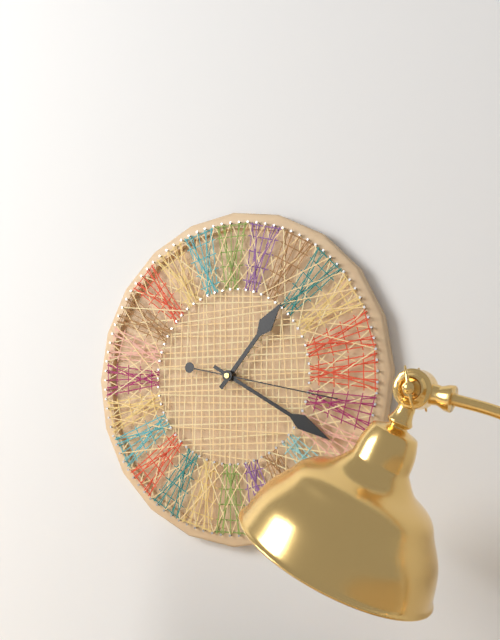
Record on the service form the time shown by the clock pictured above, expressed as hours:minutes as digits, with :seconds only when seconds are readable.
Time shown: 1:20:17
